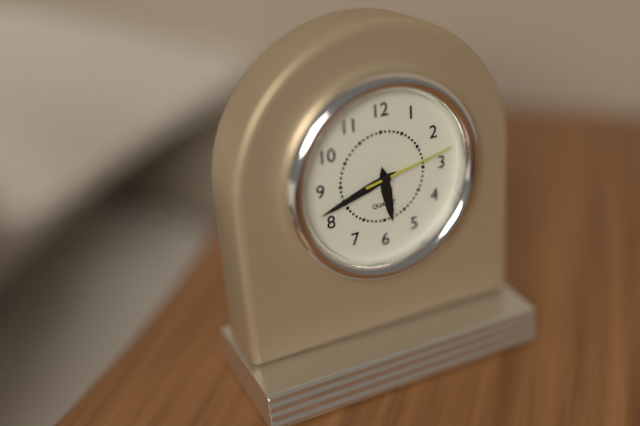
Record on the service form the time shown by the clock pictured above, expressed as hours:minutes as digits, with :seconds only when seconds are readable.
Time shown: 5:42:13
